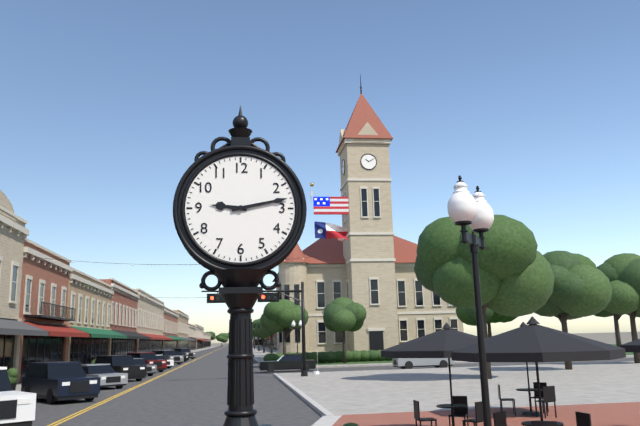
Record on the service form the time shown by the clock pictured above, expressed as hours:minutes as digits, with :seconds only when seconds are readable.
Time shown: 9:13
